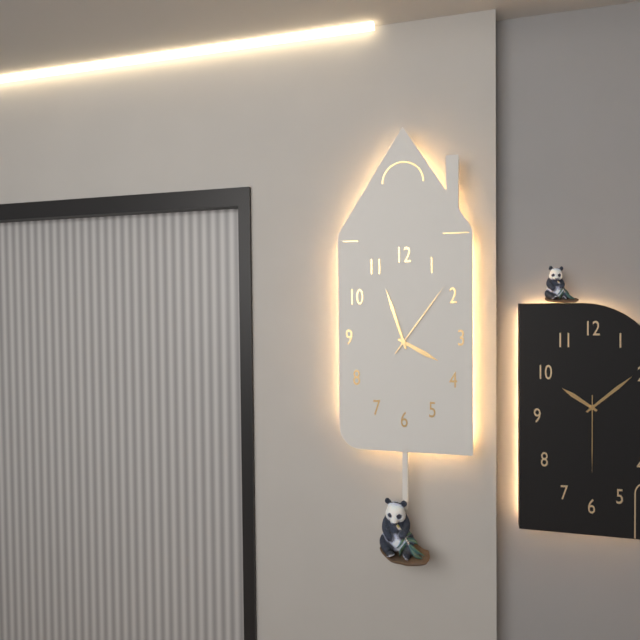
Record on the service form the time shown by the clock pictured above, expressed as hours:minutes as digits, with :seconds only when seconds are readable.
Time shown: 3:57:06
